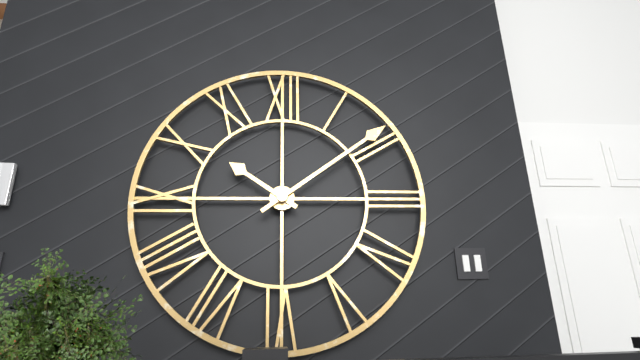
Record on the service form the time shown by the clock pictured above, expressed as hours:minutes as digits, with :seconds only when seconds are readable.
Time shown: 10:09
